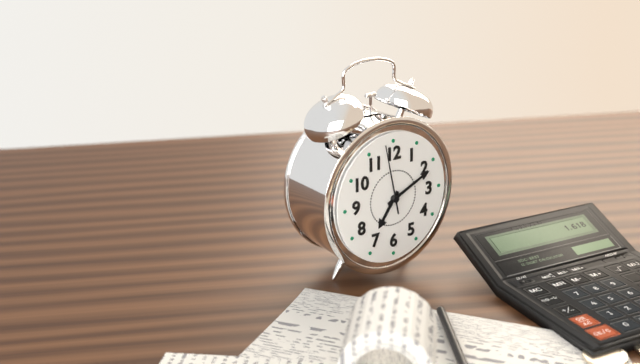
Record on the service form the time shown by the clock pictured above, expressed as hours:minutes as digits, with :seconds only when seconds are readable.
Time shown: 7:11:58
